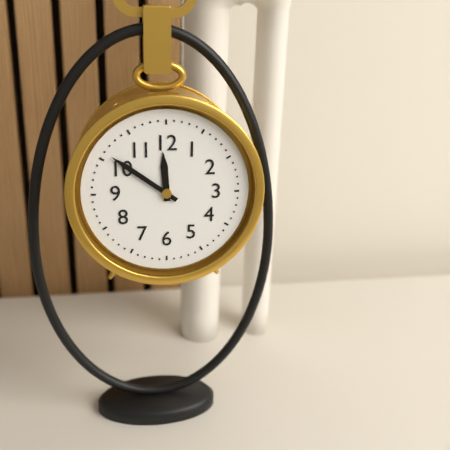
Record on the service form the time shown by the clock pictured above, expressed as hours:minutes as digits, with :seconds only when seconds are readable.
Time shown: 11:51
